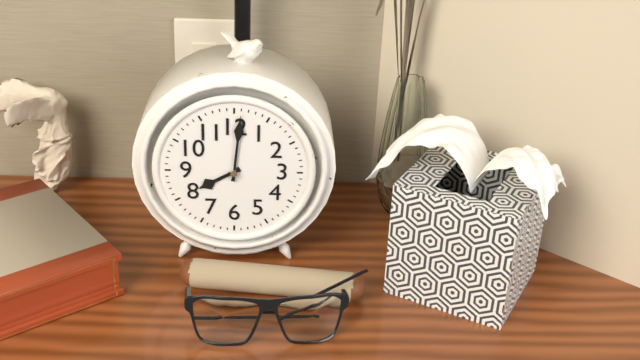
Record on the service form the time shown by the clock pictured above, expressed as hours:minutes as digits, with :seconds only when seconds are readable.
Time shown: 8:01
